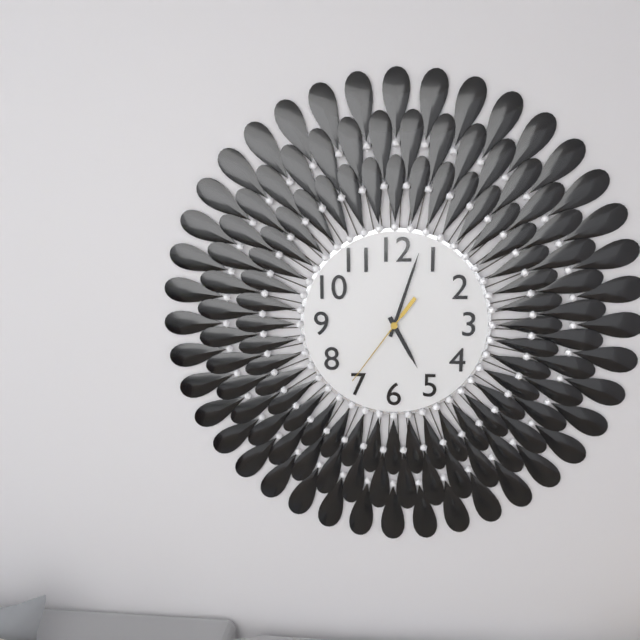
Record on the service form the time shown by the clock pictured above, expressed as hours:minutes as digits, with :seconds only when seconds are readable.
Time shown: 5:03:36
